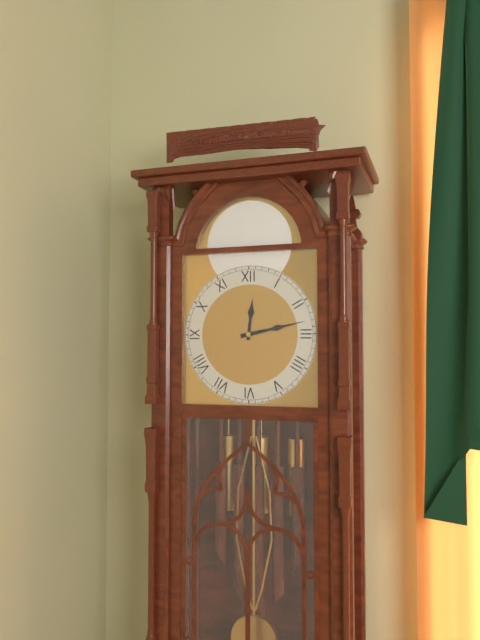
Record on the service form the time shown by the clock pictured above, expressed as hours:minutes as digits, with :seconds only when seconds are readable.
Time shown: 12:13
